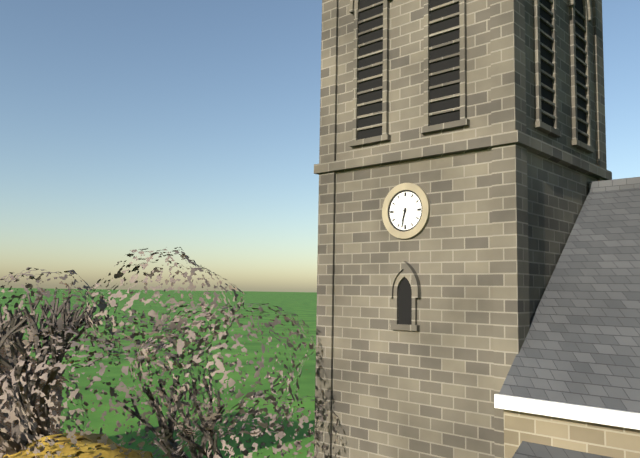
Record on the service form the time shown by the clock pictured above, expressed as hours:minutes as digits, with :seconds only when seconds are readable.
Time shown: 6:32
